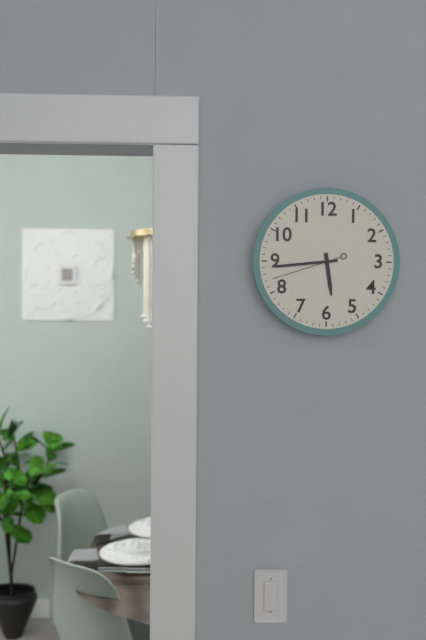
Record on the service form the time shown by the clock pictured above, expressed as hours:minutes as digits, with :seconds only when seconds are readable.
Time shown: 5:44:42
